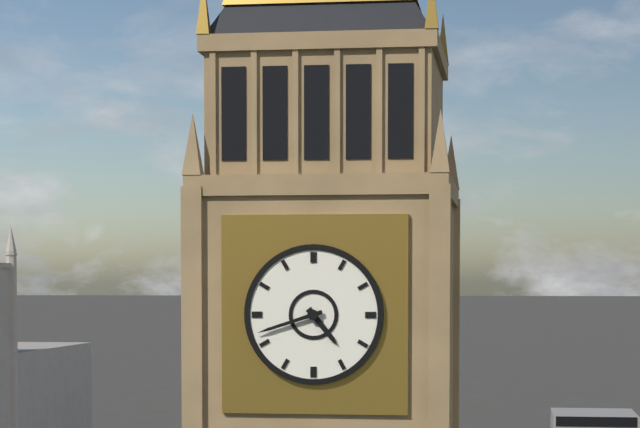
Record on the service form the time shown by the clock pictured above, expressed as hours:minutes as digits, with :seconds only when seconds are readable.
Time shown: 4:42
